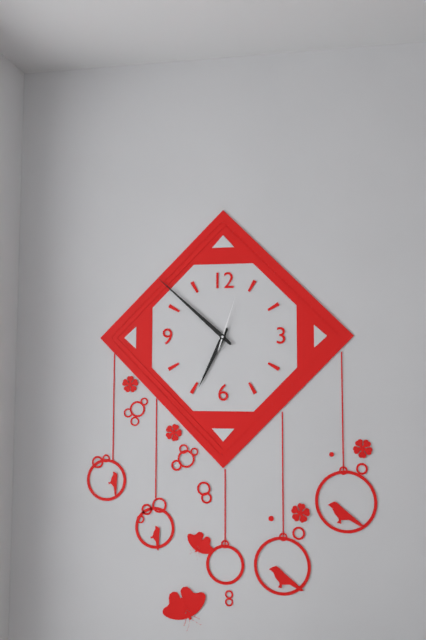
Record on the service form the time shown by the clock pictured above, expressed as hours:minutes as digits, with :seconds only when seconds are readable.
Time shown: 6:52:03
